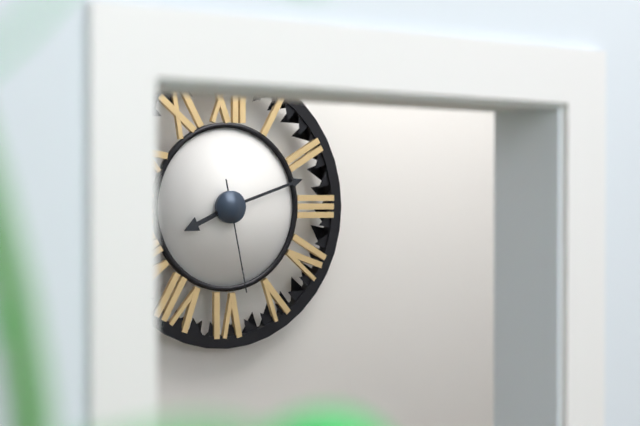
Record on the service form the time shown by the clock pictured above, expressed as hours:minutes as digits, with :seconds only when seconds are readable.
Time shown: 8:12:28
